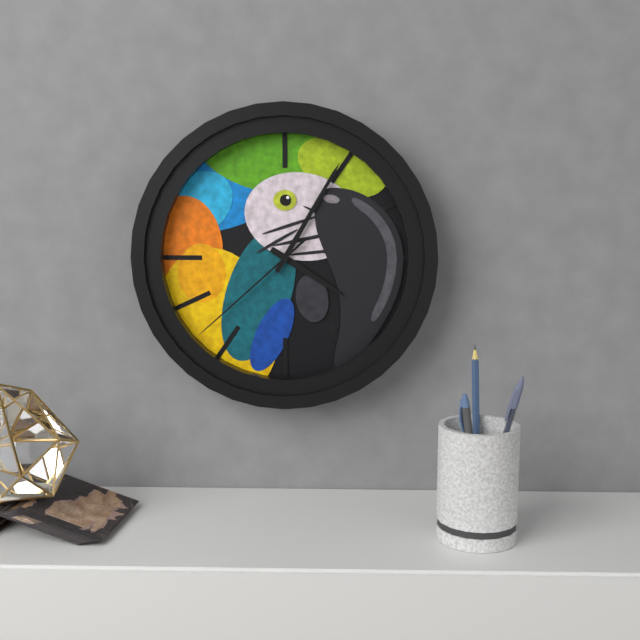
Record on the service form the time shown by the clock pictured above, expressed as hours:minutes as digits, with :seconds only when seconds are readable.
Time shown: 4:05:38
